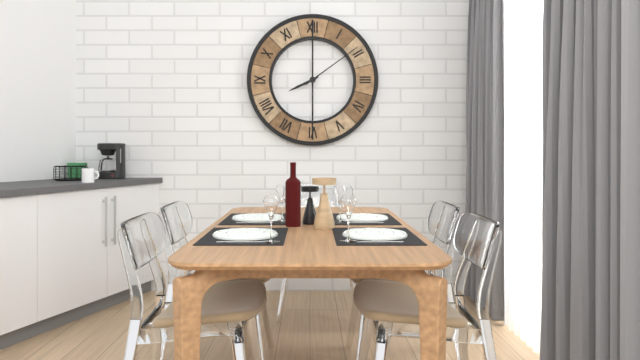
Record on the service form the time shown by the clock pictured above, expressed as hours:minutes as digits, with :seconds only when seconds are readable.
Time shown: 8:09
